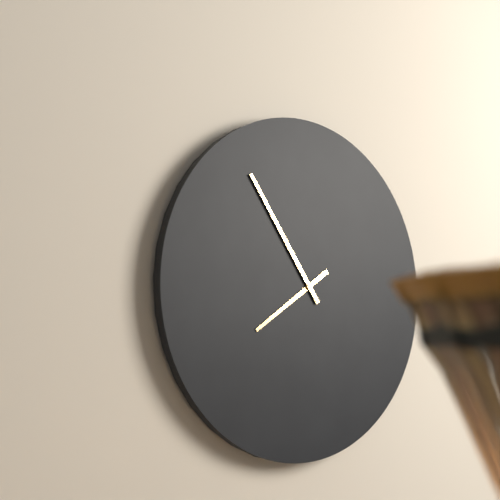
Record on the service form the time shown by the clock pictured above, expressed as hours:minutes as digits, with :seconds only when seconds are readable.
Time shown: 7:54
